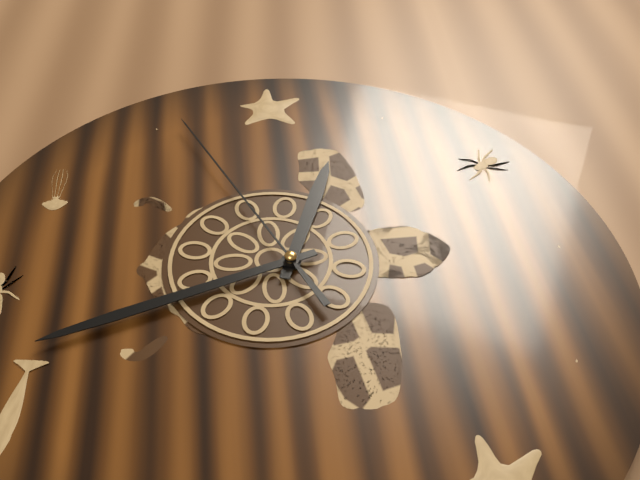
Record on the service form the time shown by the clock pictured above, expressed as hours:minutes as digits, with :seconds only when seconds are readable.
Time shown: 12:42:56
